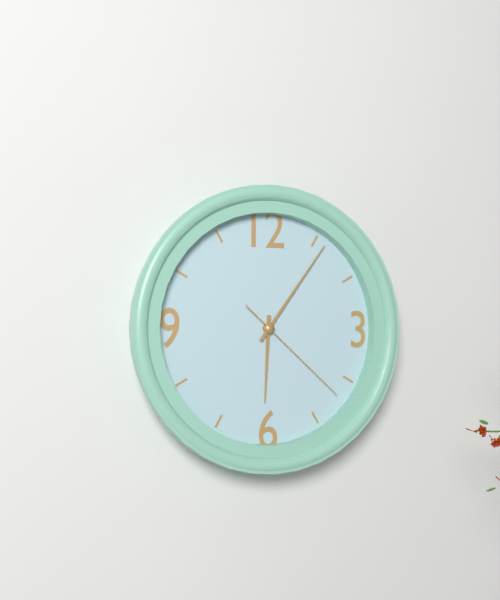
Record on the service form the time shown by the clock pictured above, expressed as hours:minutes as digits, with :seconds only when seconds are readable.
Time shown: 6:06:22
